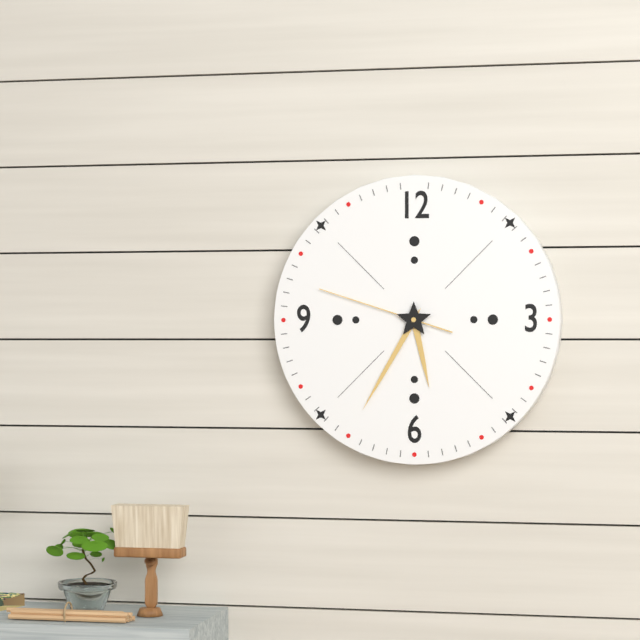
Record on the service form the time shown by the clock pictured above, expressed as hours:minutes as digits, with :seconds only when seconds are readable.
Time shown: 5:35:48
